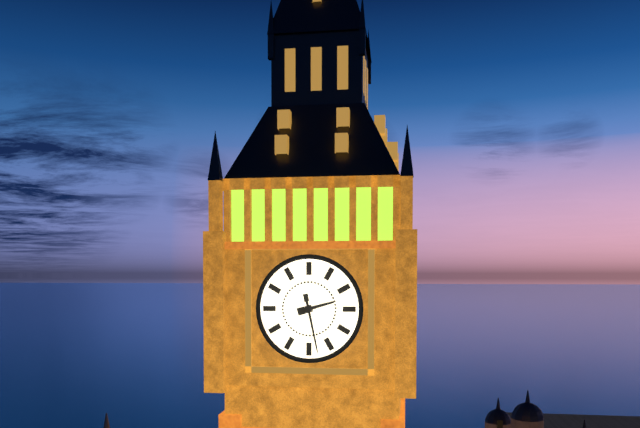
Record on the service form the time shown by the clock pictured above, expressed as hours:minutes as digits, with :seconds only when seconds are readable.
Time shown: 2:28
